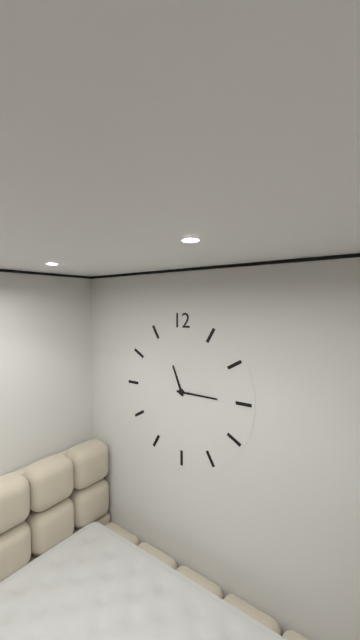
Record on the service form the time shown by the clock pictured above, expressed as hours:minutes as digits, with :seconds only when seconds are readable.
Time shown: 11:15
